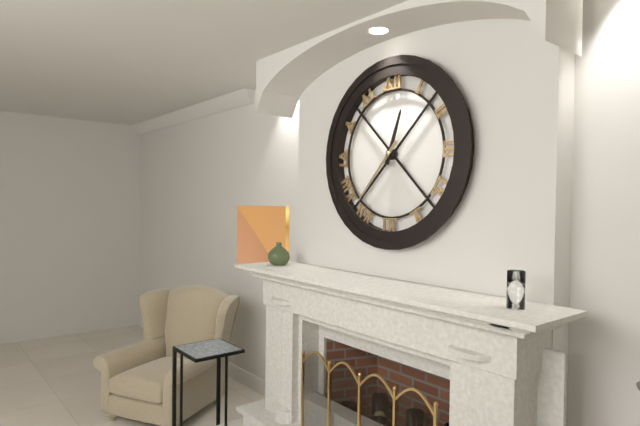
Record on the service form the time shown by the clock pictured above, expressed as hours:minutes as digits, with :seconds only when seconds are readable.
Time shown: 12:37
